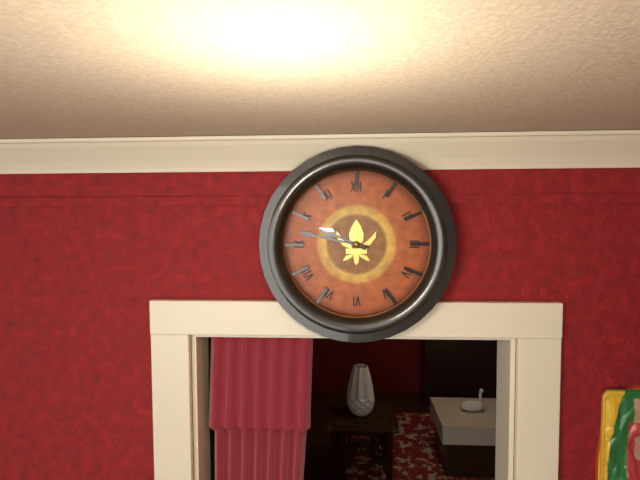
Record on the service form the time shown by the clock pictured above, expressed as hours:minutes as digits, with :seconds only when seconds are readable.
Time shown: 9:47
